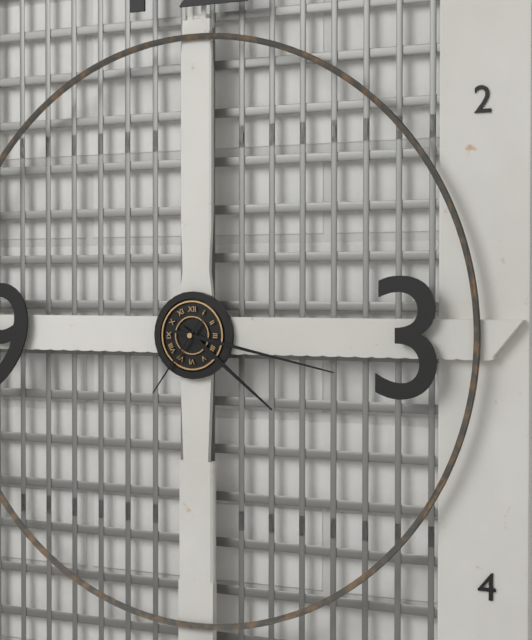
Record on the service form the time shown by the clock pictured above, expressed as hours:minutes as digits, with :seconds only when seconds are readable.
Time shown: 4:17:36
